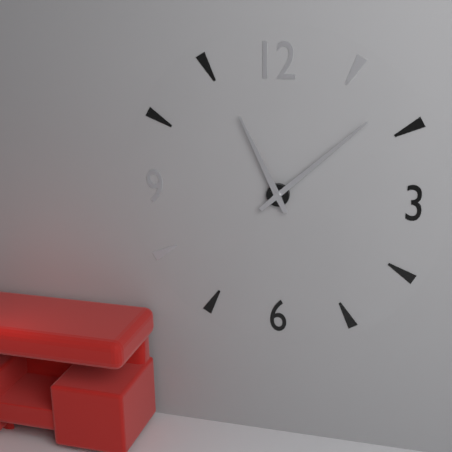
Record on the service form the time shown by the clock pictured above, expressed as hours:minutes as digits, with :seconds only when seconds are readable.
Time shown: 11:08
